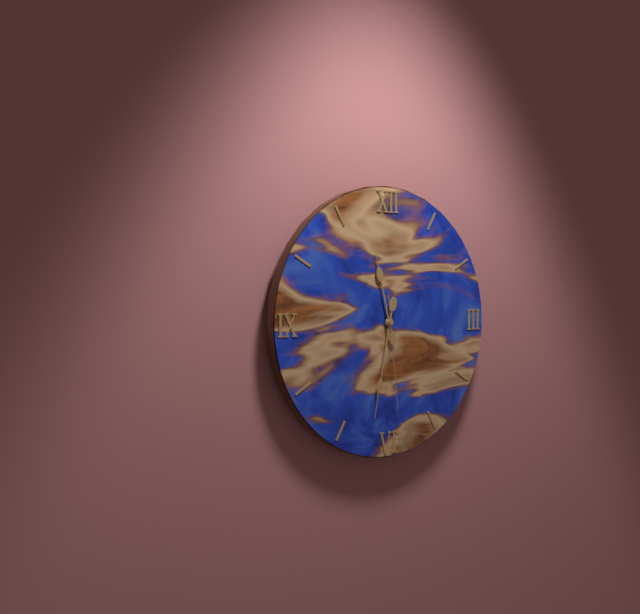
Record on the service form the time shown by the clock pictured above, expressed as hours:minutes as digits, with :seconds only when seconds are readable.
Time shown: 11:32:29
